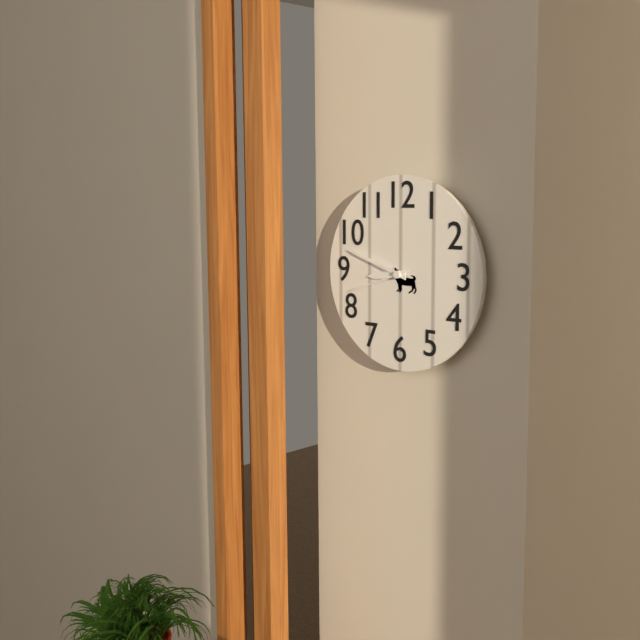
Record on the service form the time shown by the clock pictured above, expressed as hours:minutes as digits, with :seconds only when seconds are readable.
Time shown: 8:48:42
